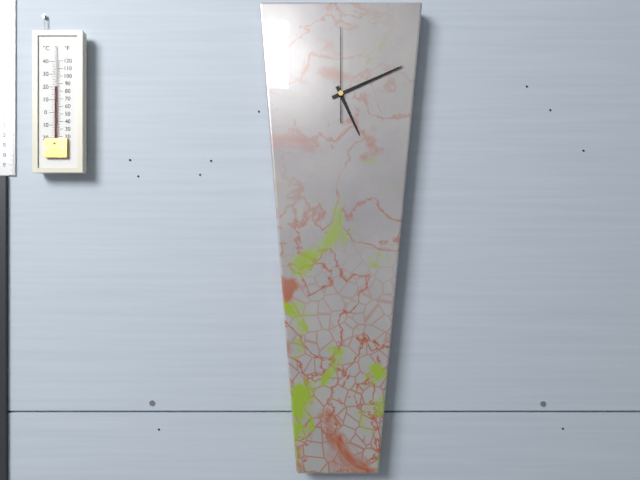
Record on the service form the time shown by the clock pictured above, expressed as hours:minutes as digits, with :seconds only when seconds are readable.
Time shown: 5:11:00
